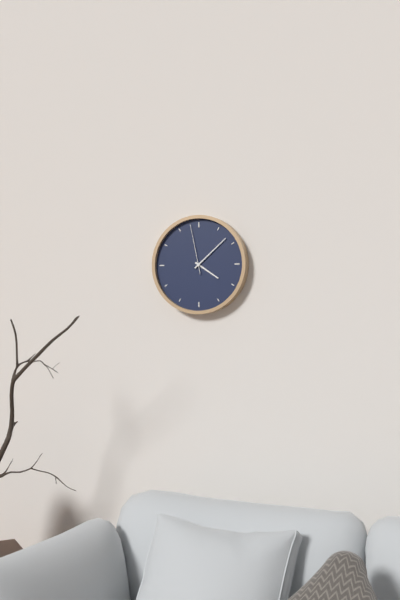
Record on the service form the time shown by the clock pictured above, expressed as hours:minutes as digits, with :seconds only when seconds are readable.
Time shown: 4:08:58
